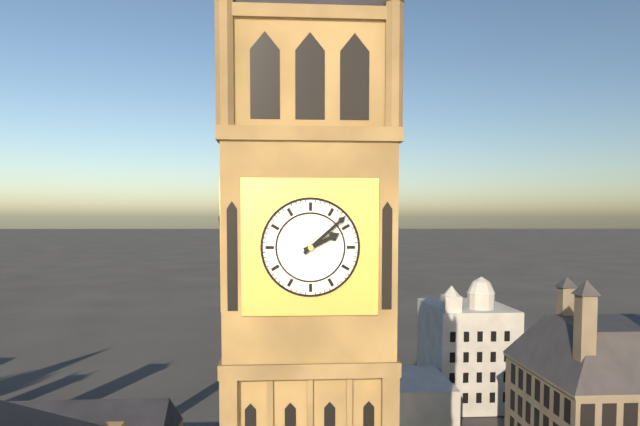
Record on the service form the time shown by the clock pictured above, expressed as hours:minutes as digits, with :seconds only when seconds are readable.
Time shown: 2:08
